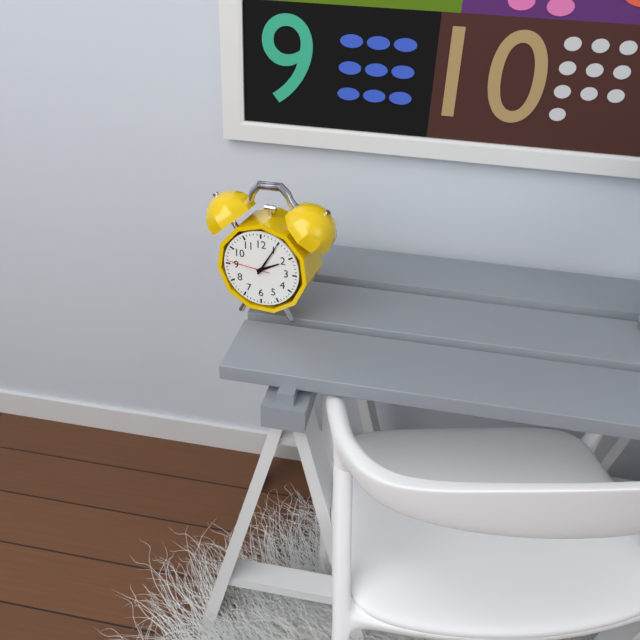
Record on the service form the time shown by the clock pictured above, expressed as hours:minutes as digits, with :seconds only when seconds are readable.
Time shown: 2:05
